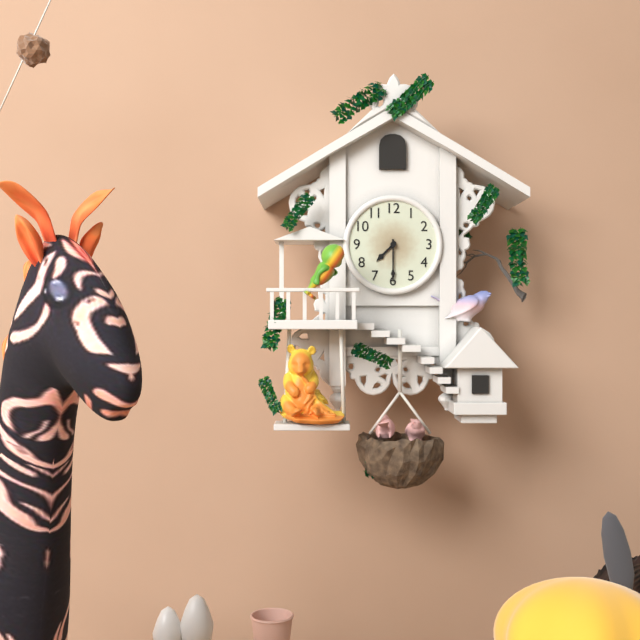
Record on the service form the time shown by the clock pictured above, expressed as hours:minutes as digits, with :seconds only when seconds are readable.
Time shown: 7:30
